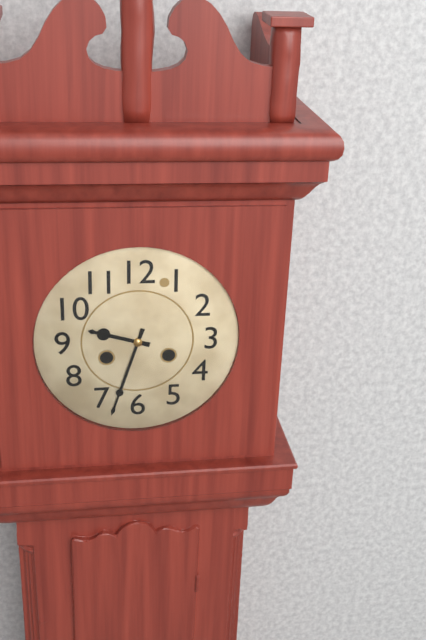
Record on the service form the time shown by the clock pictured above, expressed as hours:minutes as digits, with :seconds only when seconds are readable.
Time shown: 9:33
